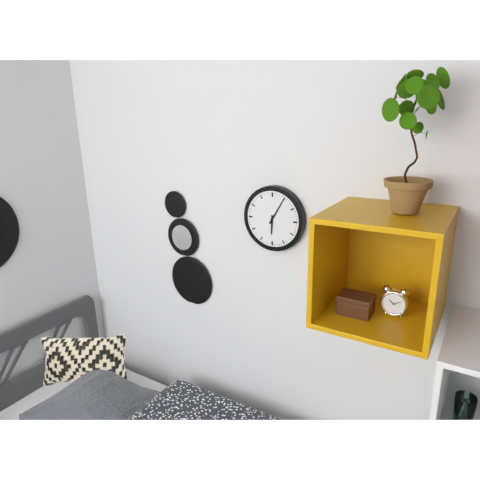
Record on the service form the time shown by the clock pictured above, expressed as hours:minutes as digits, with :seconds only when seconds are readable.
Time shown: 6:05
